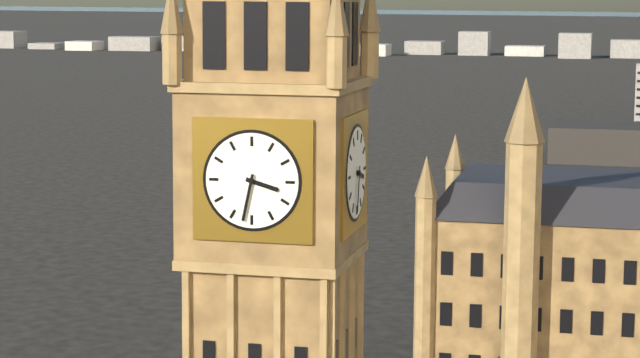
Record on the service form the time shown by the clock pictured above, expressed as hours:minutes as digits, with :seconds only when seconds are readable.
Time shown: 3:32
